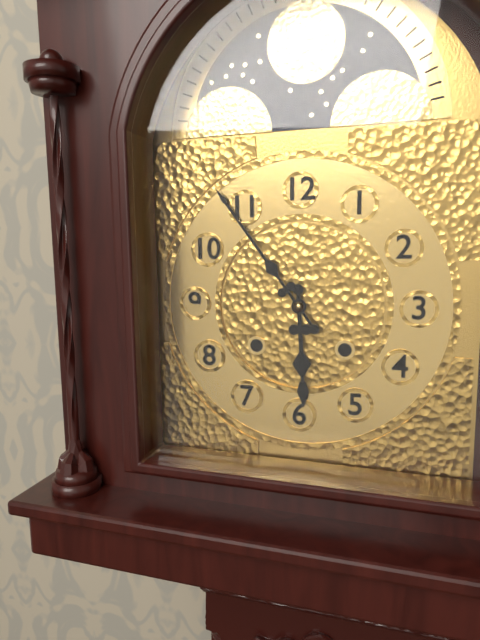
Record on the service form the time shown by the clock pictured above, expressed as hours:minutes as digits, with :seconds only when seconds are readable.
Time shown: 5:54
